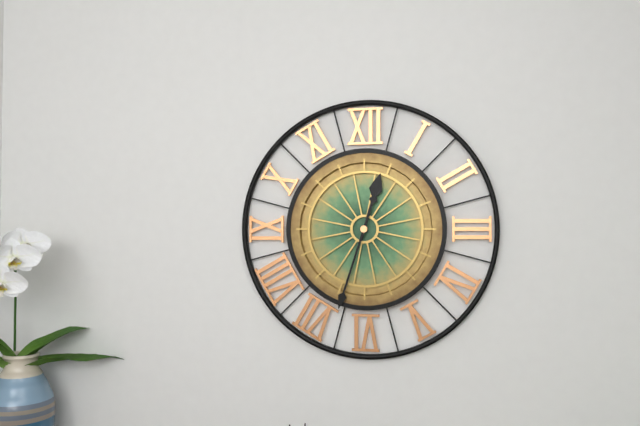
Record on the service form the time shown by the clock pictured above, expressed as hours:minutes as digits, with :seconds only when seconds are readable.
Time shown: 12:33
